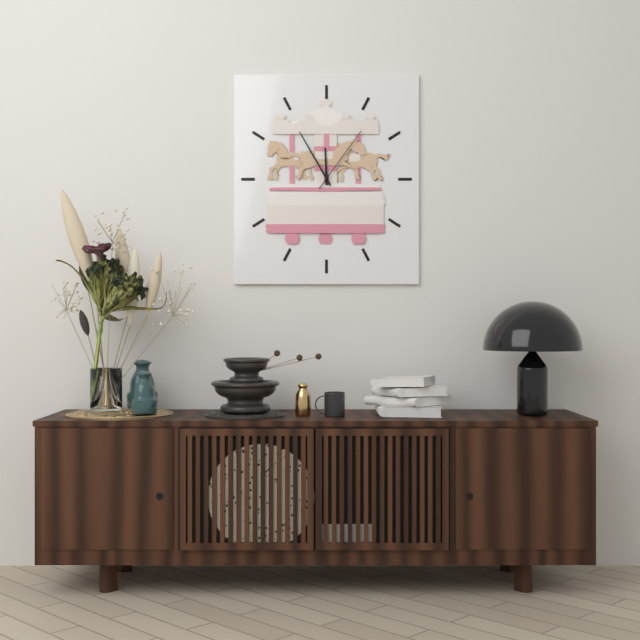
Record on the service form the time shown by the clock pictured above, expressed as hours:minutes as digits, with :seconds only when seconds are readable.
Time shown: 11:55:06
